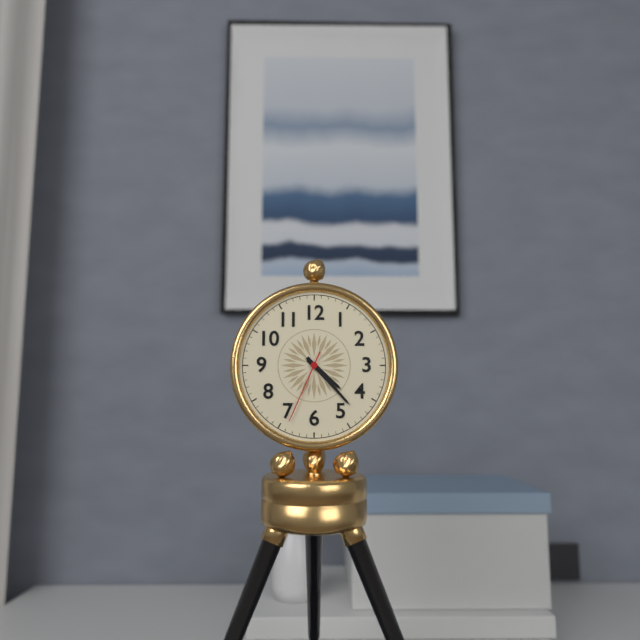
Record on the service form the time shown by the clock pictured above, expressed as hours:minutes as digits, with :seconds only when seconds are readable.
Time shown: 4:23:34
